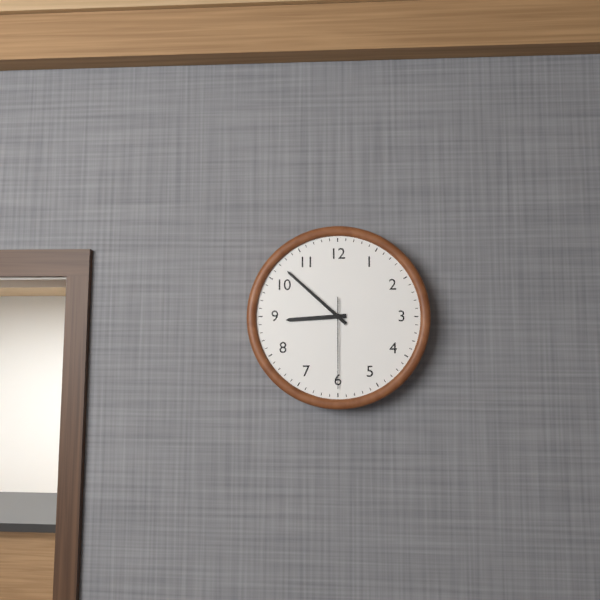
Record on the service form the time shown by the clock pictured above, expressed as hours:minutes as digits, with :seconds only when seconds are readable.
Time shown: 8:52:30
